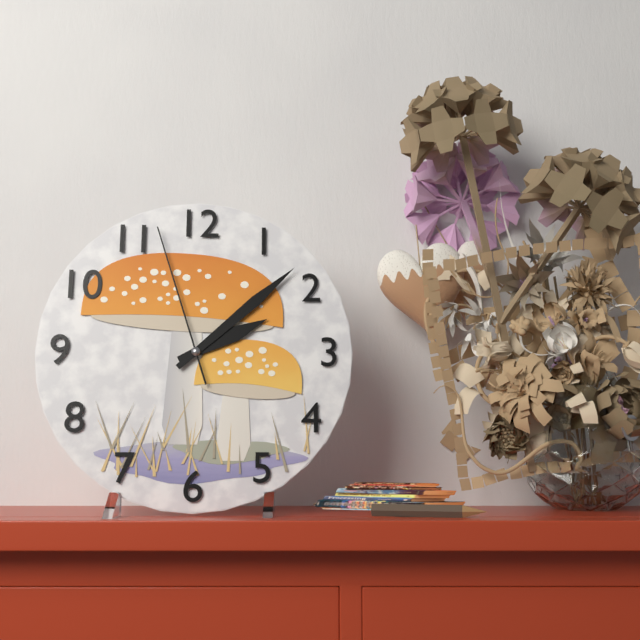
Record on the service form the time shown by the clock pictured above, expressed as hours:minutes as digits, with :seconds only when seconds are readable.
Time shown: 2:08:57
